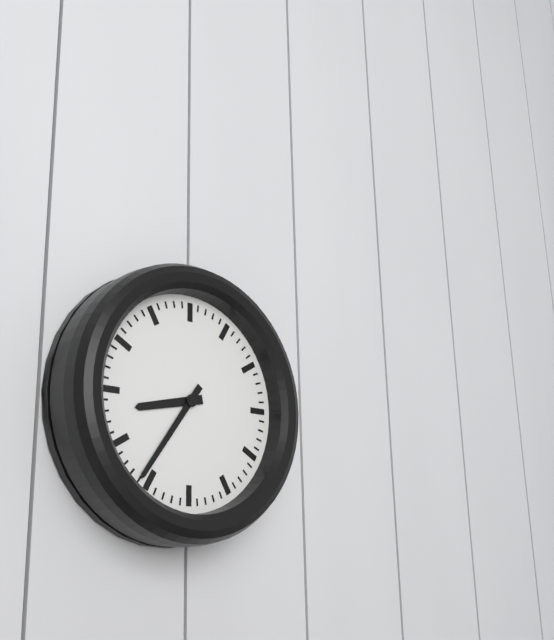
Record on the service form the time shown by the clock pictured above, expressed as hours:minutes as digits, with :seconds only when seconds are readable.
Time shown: 8:36
